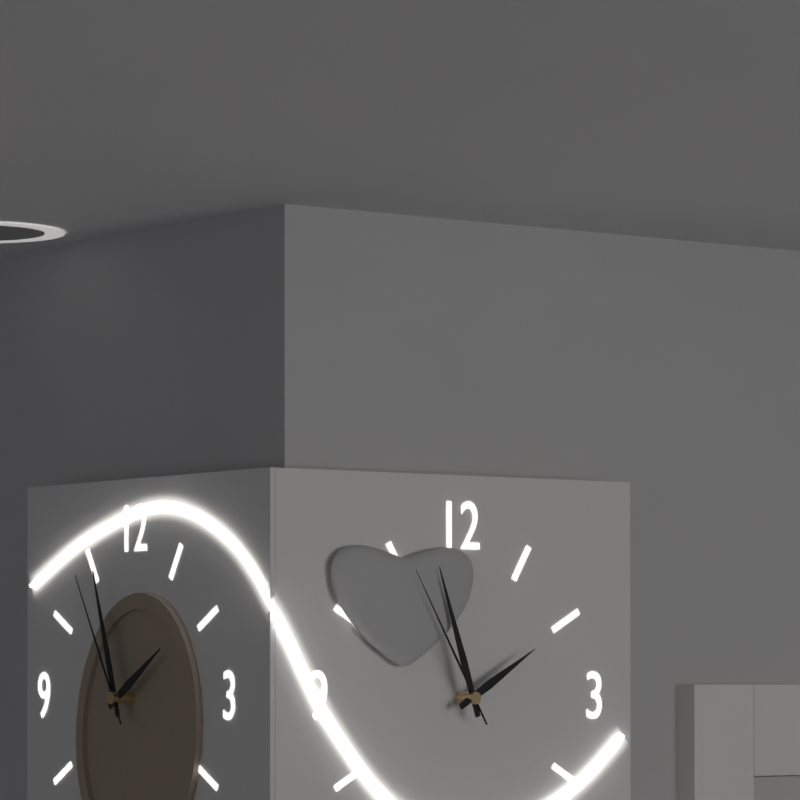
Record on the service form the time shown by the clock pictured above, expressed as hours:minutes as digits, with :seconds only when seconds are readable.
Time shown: 1:57:55
